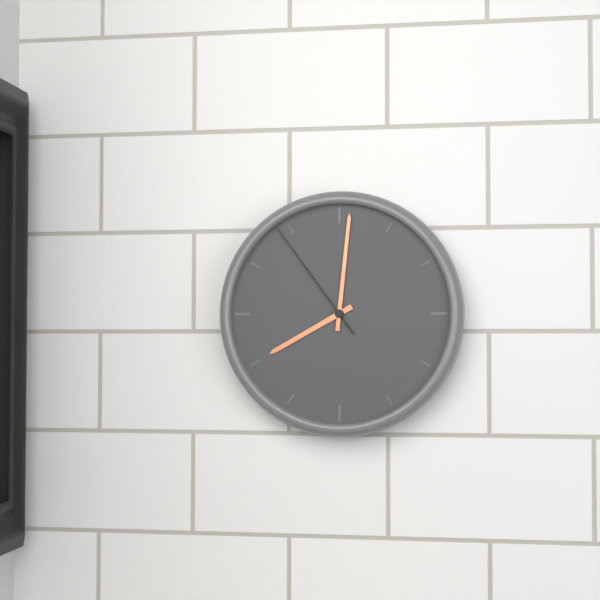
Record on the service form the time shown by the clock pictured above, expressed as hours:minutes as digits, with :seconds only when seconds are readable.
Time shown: 8:01:54
